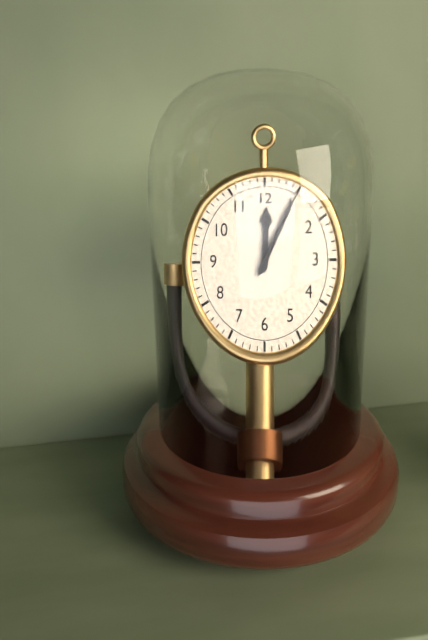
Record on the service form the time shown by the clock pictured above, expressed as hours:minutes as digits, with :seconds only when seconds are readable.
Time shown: 12:05
